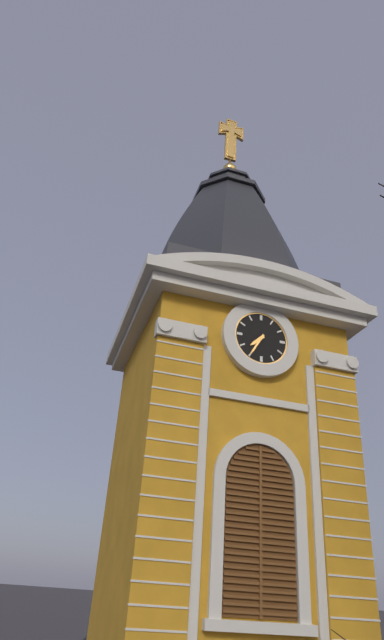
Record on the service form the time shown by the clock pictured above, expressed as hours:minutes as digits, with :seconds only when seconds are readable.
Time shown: 7:35
